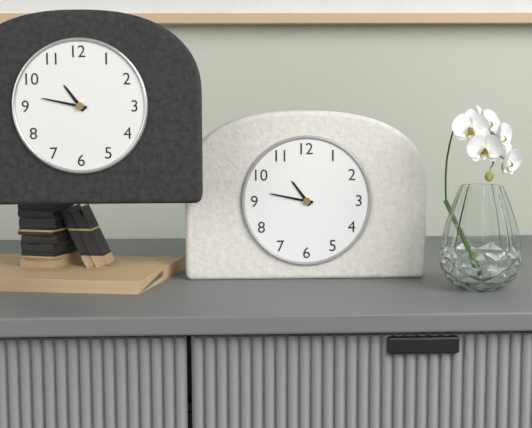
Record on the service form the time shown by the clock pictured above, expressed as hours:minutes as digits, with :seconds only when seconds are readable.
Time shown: 10:47
